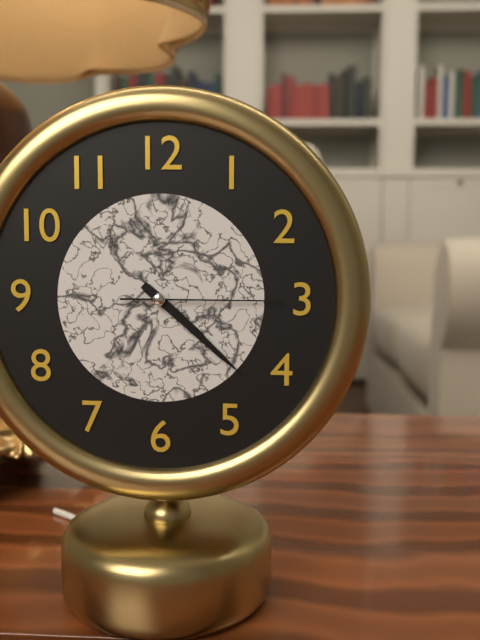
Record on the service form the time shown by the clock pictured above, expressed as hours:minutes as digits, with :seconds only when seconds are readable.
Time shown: 4:22:15
